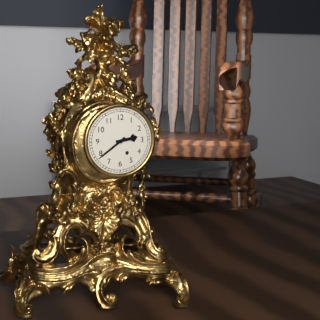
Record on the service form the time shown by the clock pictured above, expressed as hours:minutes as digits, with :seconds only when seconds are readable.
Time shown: 2:39
